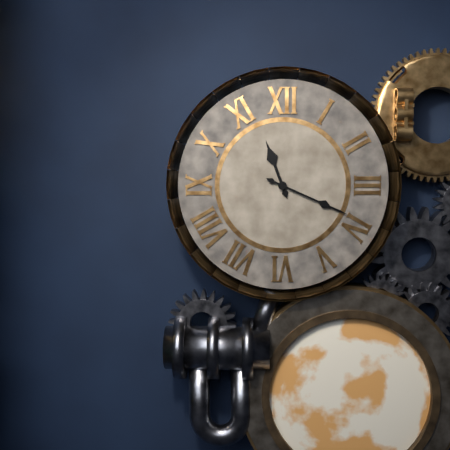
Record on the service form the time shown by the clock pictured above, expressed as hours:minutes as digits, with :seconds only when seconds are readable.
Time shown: 11:19
